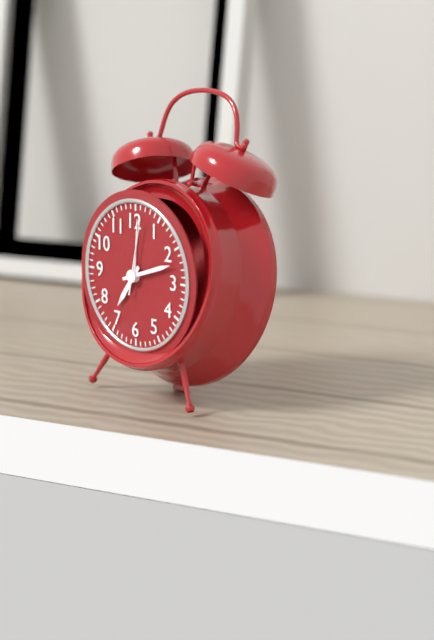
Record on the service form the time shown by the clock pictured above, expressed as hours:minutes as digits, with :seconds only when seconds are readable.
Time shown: 7:12:02
